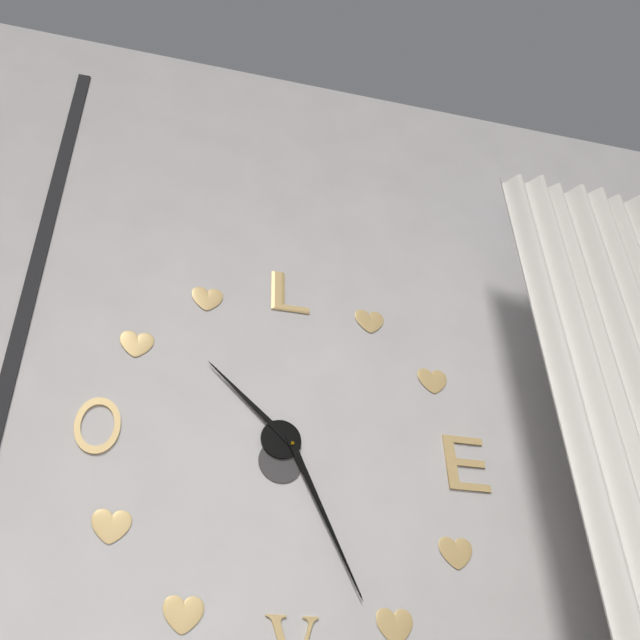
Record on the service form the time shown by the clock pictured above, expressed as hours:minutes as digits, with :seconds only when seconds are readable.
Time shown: 10:26
